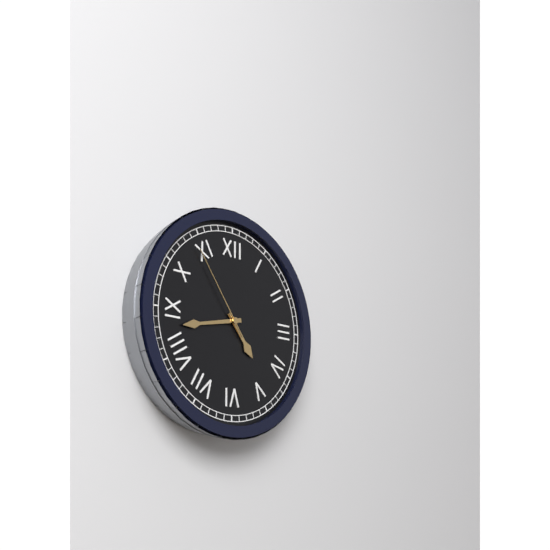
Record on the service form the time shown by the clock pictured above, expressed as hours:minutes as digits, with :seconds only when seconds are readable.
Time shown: 4:43:54
